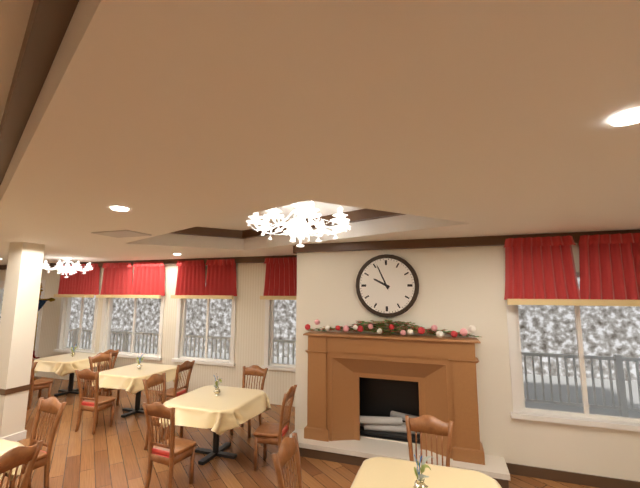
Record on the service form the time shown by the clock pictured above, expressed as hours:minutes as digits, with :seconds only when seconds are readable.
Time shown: 9:56
